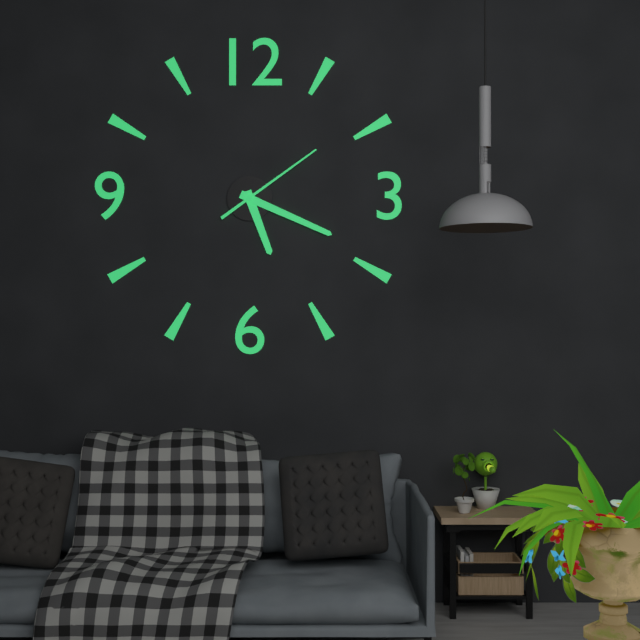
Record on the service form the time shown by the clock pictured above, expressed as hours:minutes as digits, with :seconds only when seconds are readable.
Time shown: 5:19:09
